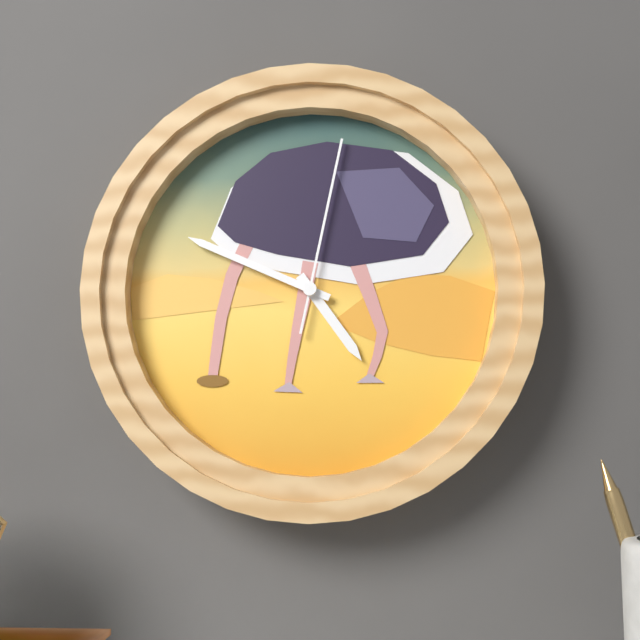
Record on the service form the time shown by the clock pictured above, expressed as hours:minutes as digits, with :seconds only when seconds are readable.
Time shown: 4:49:02
